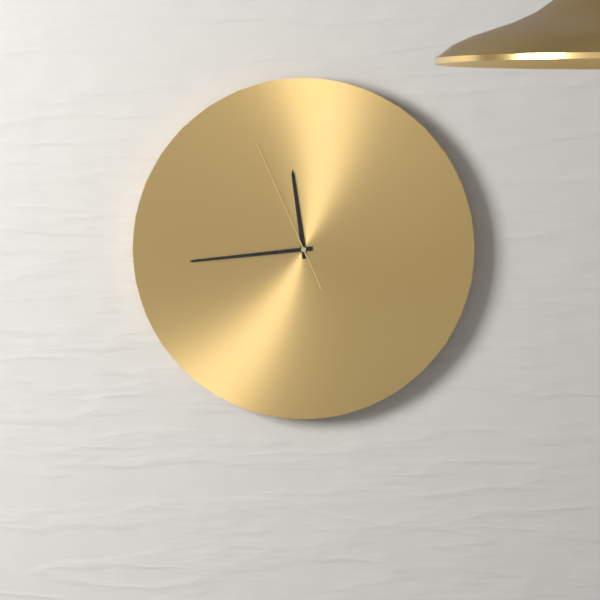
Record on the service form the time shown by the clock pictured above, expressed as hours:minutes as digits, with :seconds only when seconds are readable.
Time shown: 11:44:56
